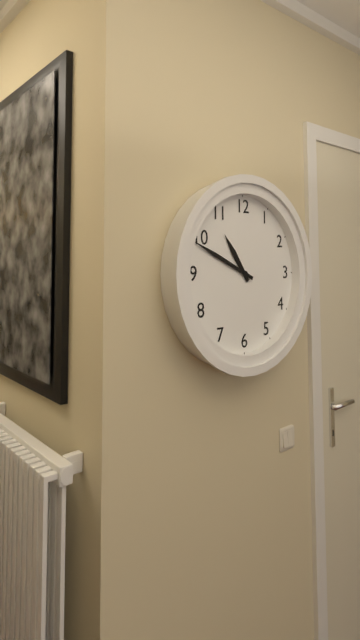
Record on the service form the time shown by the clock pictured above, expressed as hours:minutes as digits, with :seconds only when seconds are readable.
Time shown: 10:49
